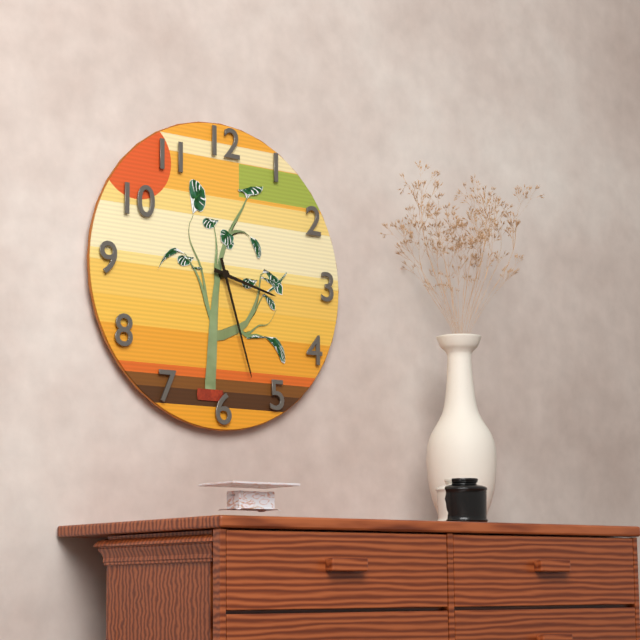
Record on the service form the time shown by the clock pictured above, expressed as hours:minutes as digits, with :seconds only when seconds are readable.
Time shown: 3:27
